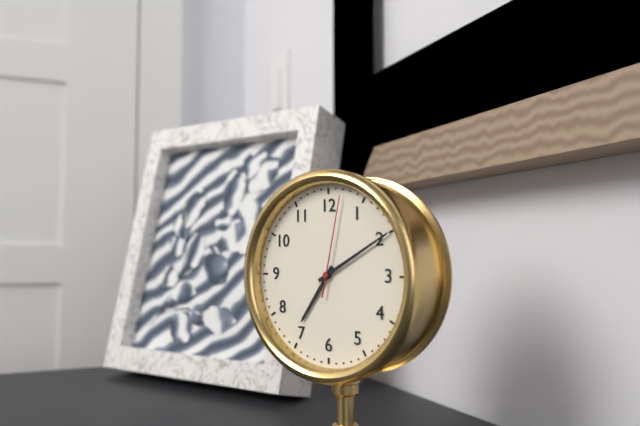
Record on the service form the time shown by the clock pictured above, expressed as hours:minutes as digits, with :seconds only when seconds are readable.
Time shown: 7:10:02
